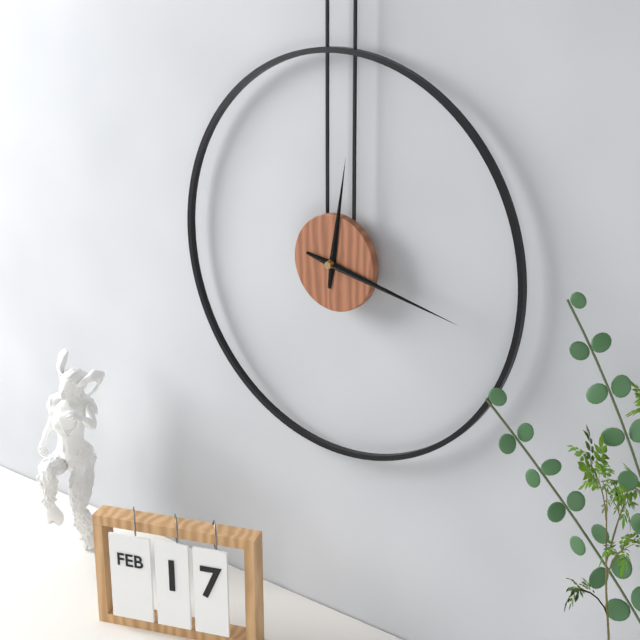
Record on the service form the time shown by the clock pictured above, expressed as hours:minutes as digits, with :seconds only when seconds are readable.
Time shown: 12:17
